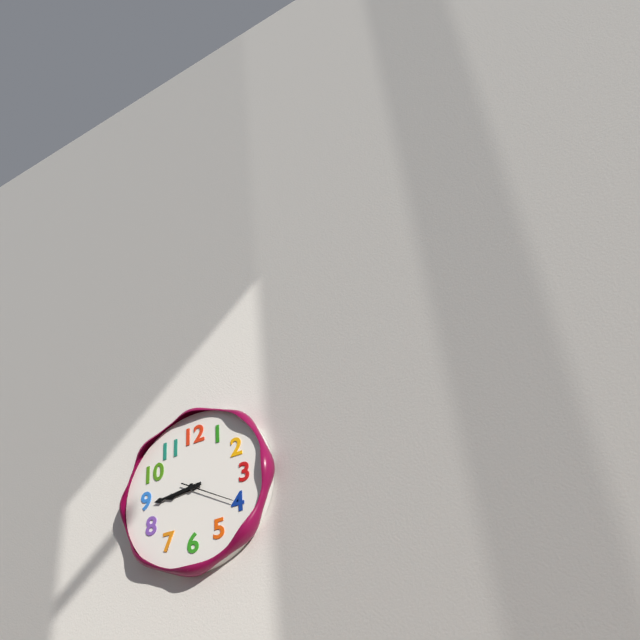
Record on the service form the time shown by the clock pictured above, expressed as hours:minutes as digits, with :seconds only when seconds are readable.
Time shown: 8:44:20
